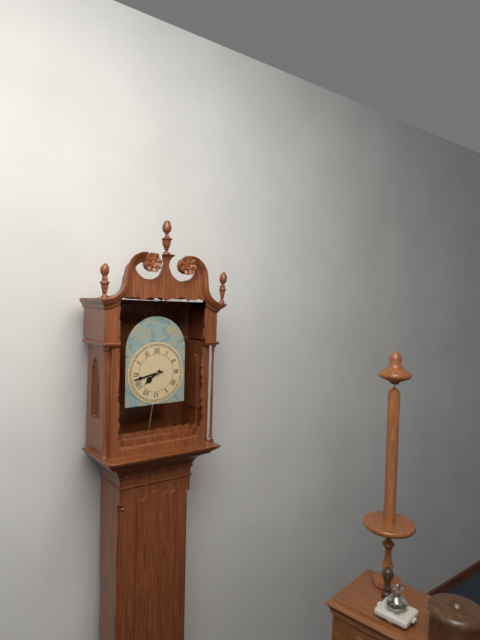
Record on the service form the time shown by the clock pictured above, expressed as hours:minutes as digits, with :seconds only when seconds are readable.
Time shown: 7:43
